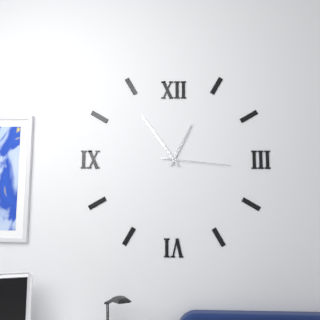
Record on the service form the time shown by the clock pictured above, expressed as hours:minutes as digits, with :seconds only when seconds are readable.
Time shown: 12:54:16
